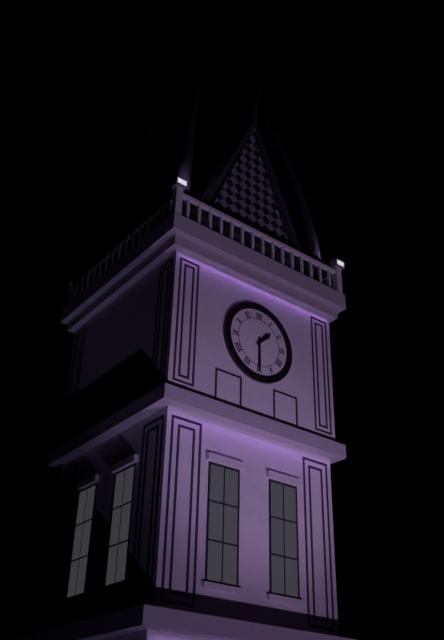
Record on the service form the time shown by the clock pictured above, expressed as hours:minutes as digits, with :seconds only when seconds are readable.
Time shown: 1:30
